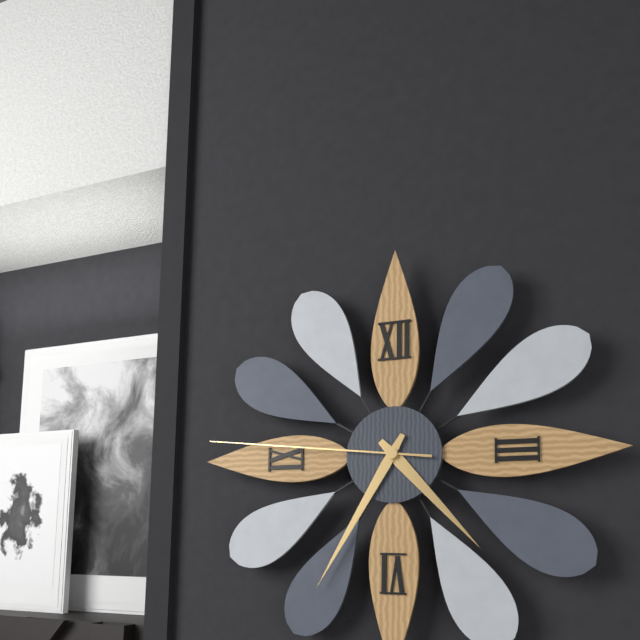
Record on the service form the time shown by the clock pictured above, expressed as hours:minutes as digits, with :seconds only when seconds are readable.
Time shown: 4:35:46
